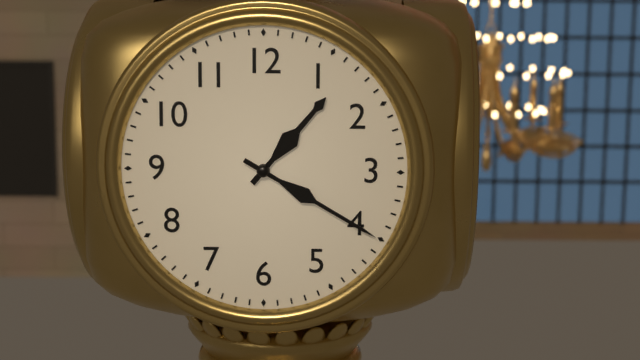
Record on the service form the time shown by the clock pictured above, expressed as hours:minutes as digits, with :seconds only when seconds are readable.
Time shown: 1:20
